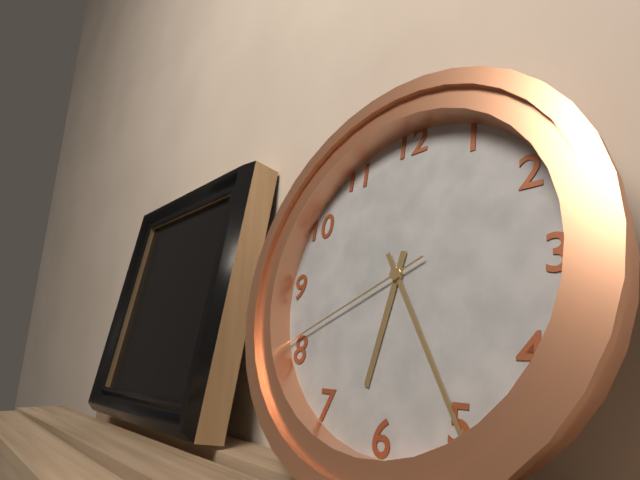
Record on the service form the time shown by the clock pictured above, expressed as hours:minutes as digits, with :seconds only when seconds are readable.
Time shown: 6:25:41
